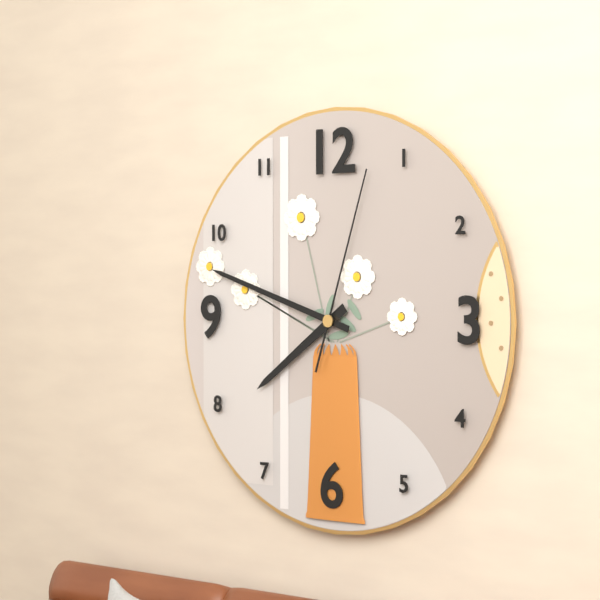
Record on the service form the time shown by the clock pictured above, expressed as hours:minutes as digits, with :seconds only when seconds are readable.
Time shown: 7:48:03
